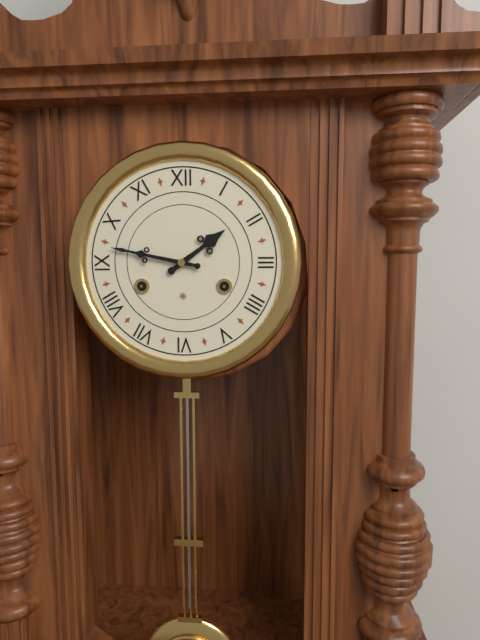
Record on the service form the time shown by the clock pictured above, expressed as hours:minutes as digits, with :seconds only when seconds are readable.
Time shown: 1:47
